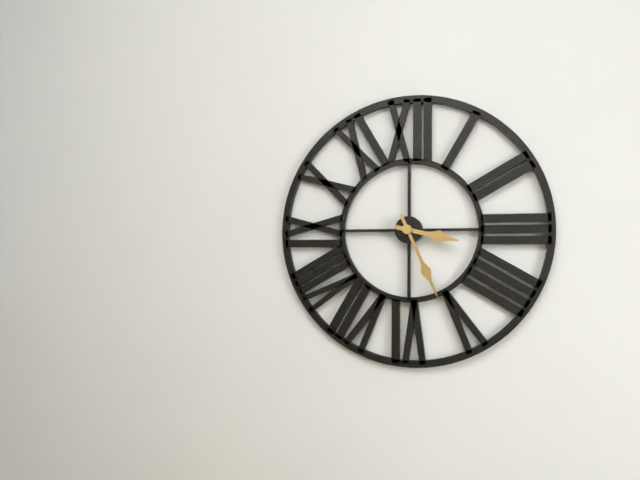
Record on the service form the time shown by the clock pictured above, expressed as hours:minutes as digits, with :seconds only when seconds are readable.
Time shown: 3:26
